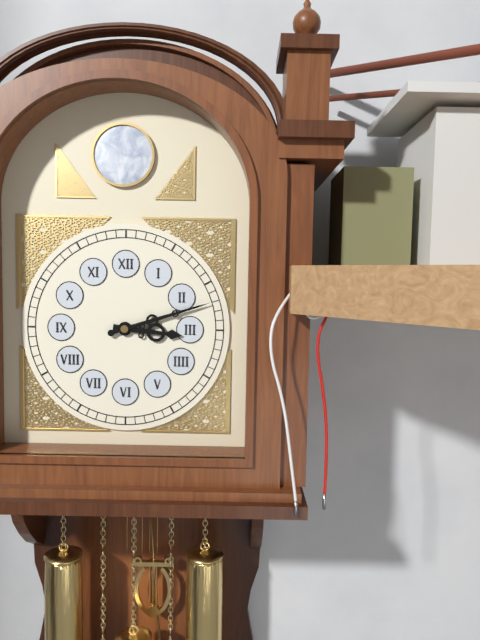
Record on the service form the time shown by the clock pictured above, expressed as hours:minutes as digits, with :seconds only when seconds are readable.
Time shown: 3:12
